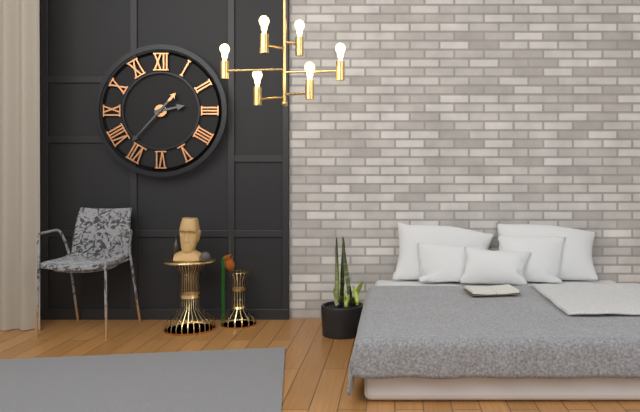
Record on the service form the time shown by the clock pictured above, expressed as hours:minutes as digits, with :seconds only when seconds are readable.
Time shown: 2:37
